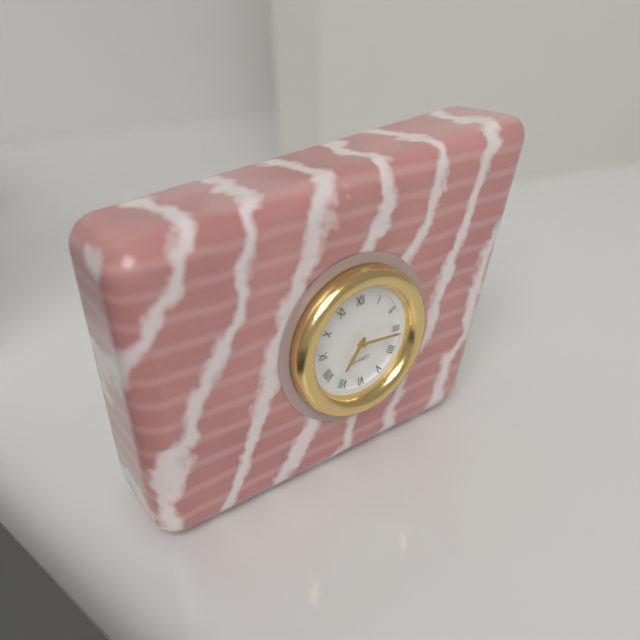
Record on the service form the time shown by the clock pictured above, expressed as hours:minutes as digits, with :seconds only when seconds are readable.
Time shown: 7:16
